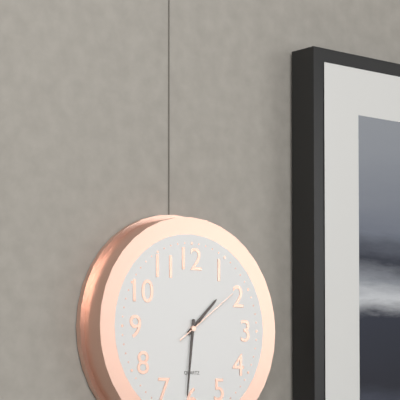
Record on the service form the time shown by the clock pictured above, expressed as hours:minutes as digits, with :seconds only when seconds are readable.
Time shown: 1:31:09
